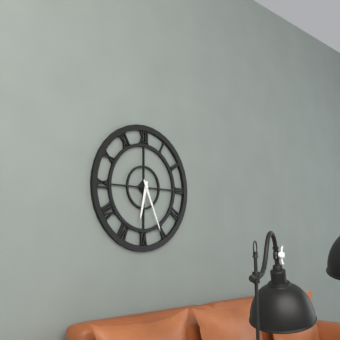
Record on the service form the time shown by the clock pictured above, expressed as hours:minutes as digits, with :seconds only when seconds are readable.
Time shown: 6:26
